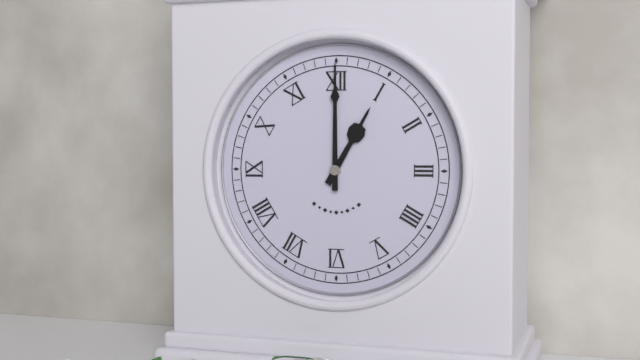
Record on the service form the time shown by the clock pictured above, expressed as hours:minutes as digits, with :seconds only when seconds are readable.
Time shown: 1:00
